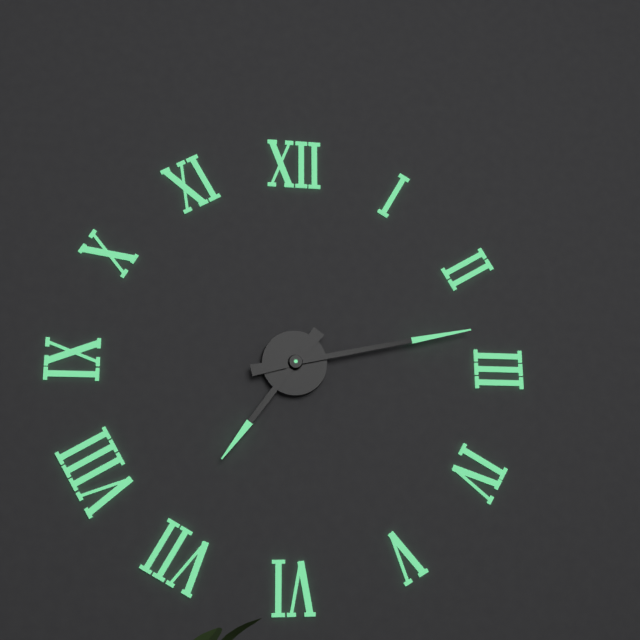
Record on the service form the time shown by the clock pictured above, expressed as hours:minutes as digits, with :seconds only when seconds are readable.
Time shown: 7:13
